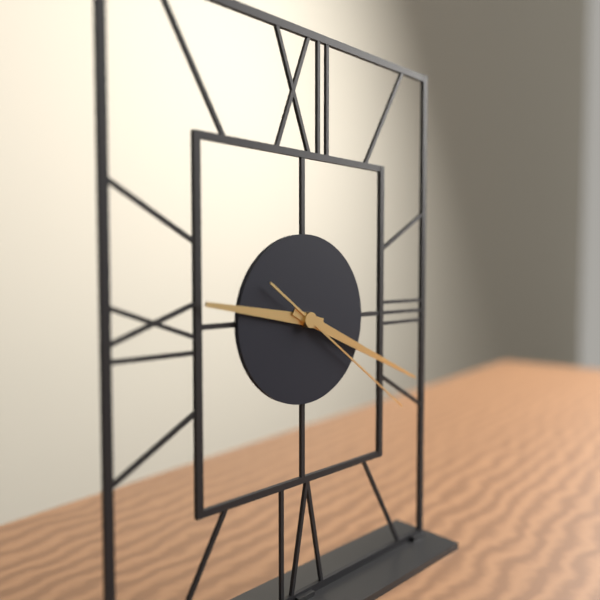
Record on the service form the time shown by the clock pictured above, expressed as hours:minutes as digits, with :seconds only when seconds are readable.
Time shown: 9:19:21
